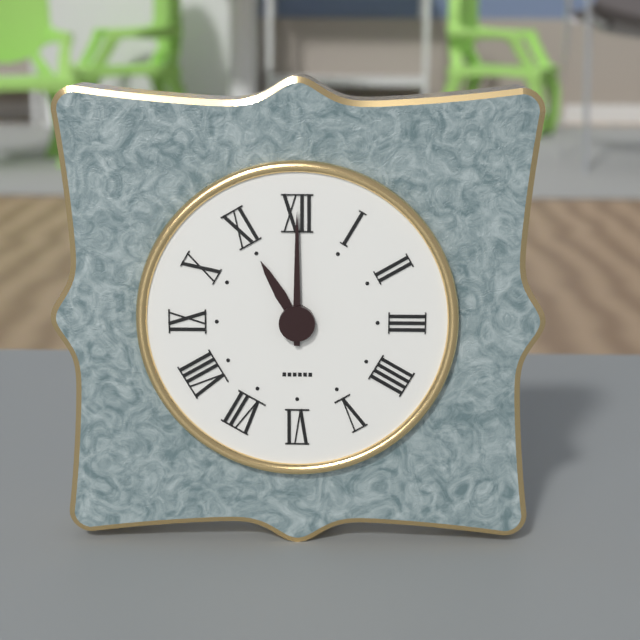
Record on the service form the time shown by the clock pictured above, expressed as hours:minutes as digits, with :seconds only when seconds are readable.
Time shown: 11:00
